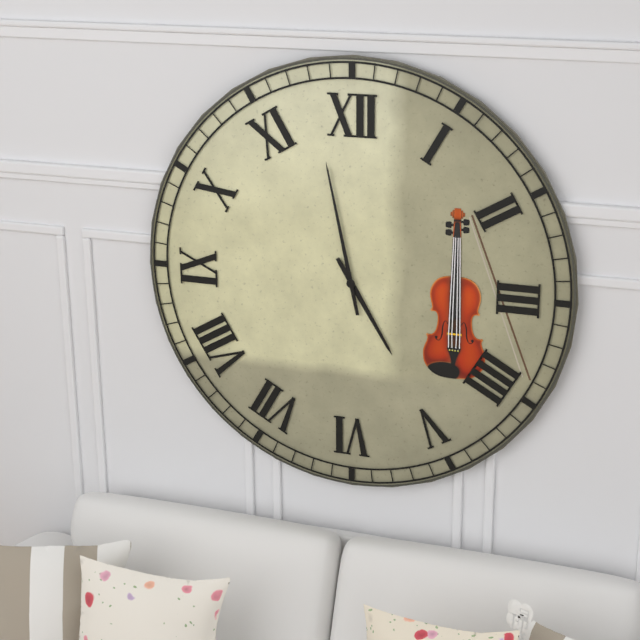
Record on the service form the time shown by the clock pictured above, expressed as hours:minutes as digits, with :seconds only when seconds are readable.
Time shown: 4:58
